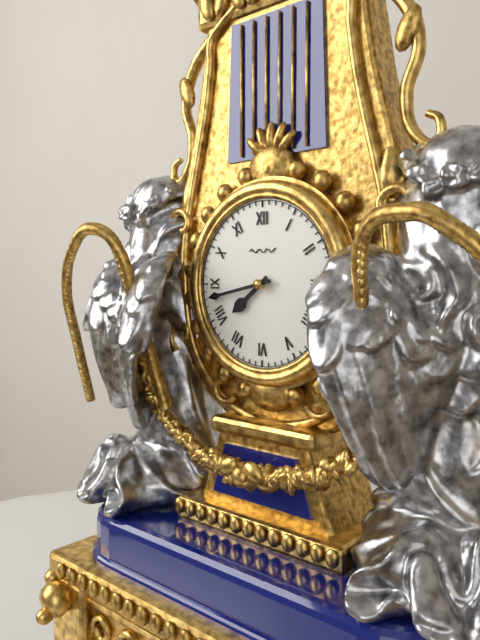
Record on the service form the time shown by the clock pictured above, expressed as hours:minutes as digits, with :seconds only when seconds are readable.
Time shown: 7:43
